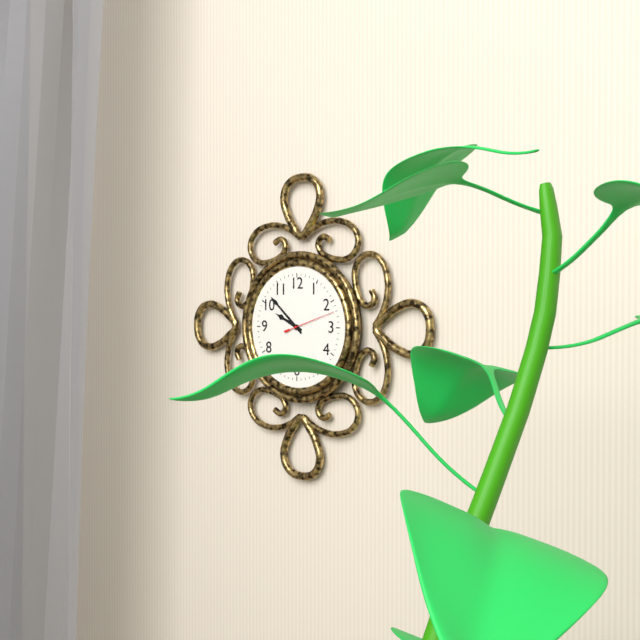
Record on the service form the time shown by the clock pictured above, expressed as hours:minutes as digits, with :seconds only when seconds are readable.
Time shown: 9:52:12
